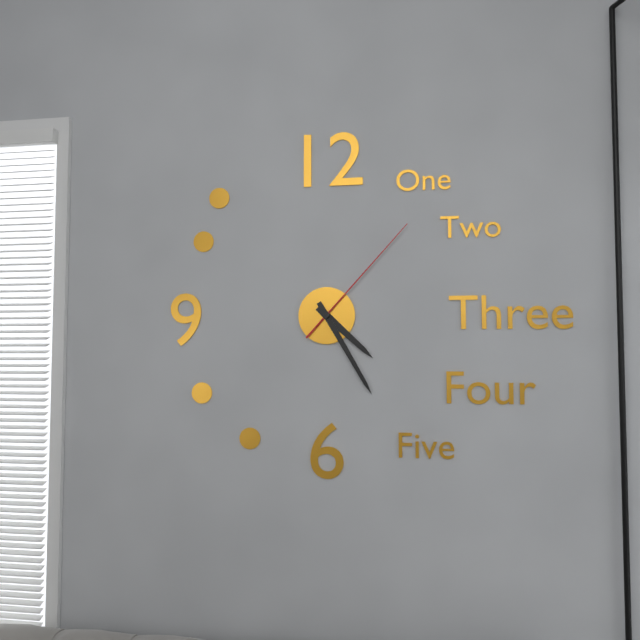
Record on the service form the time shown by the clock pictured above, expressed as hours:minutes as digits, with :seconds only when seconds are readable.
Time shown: 4:25:07
